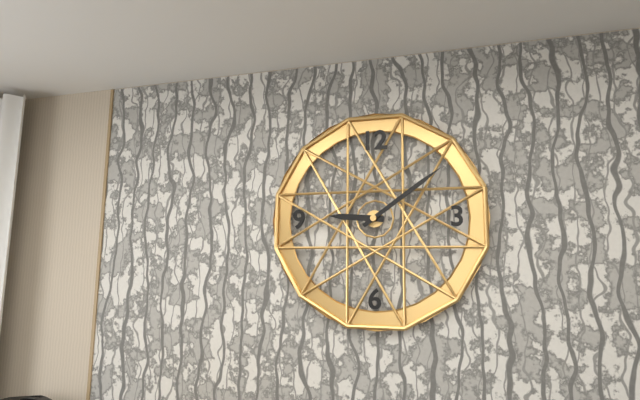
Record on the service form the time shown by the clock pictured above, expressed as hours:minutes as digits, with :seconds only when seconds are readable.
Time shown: 9:09
